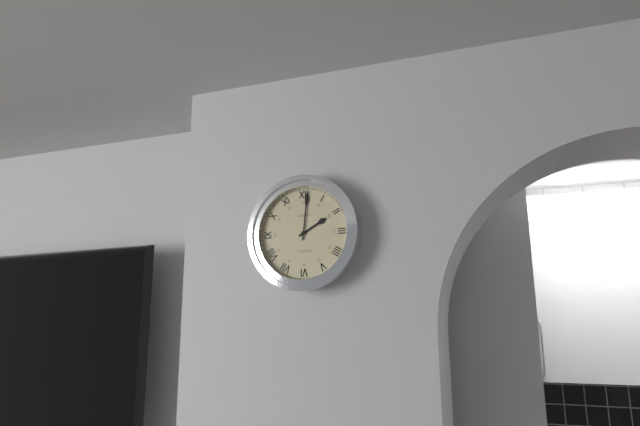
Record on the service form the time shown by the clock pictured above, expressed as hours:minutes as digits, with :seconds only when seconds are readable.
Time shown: 2:01
